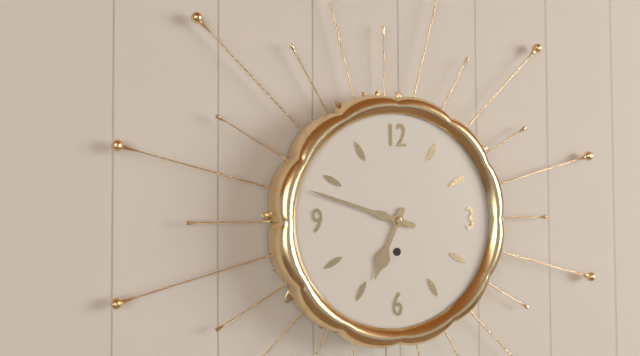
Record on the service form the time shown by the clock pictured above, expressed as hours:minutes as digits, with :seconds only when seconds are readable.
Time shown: 6:48
